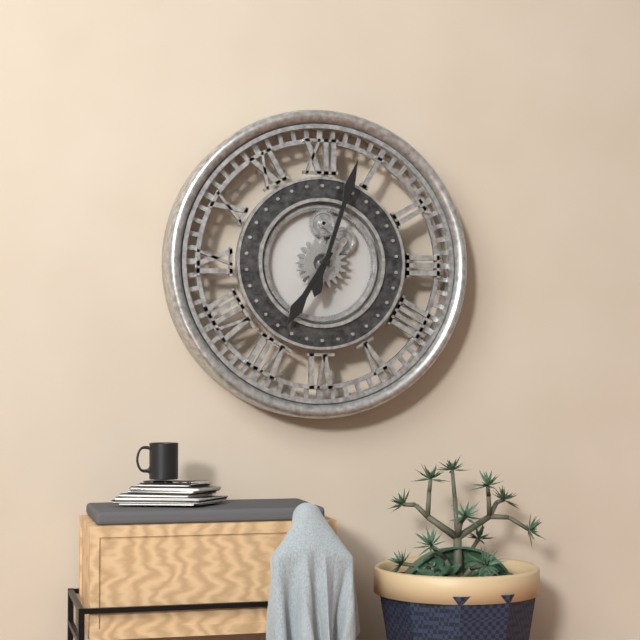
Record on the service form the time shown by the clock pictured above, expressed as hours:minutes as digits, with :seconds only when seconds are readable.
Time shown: 7:03
